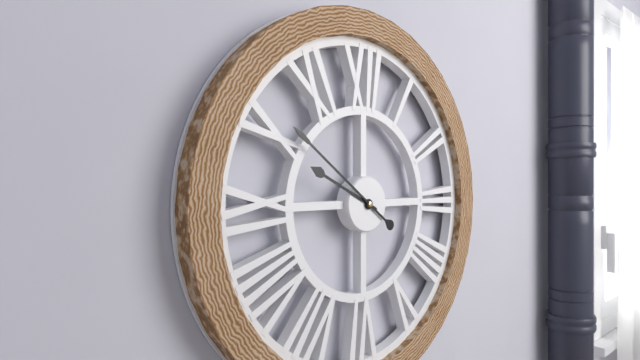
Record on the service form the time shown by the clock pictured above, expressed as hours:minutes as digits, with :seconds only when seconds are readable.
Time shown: 9:51
